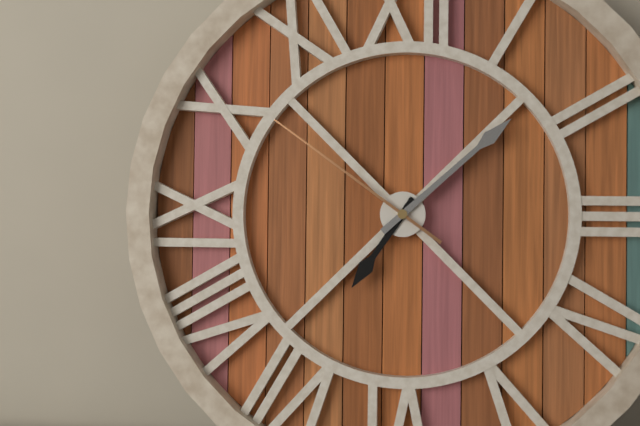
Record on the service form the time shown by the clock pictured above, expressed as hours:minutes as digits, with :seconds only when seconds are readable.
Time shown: 7:08:51
